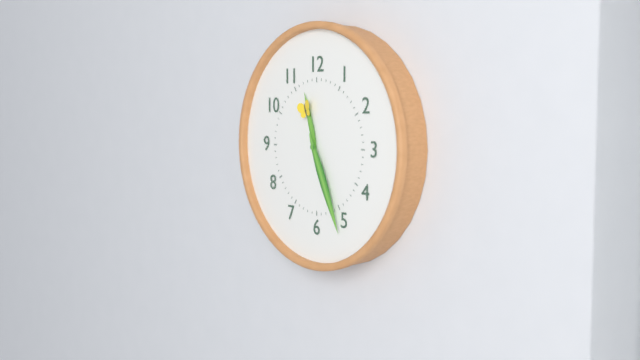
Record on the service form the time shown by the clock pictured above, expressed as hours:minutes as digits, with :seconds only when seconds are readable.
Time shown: 11:26
